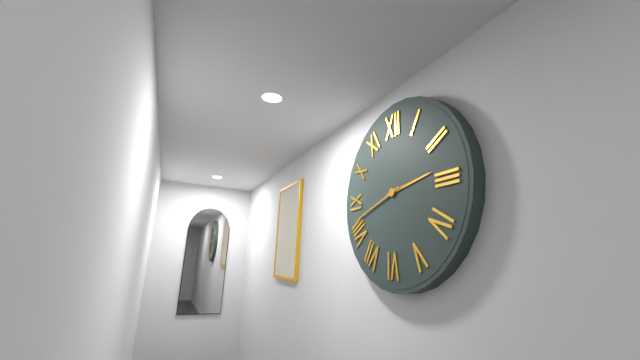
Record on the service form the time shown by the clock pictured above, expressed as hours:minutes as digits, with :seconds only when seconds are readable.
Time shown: 2:42
